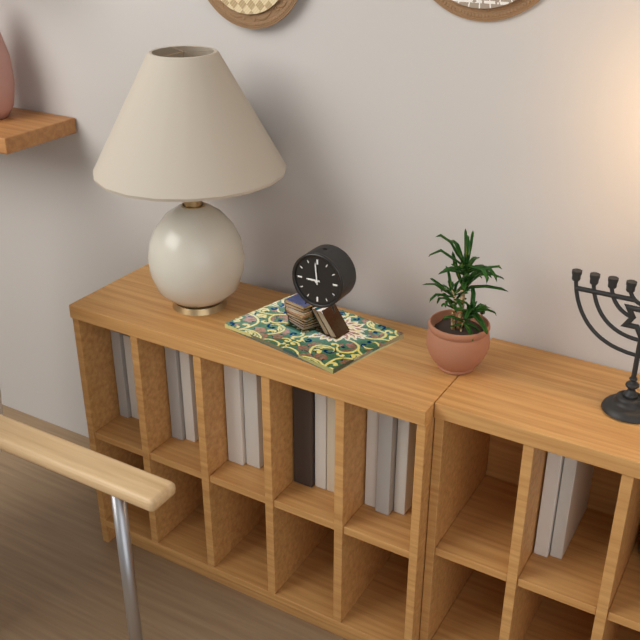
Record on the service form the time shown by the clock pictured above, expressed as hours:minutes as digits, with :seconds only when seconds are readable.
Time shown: 8:59
